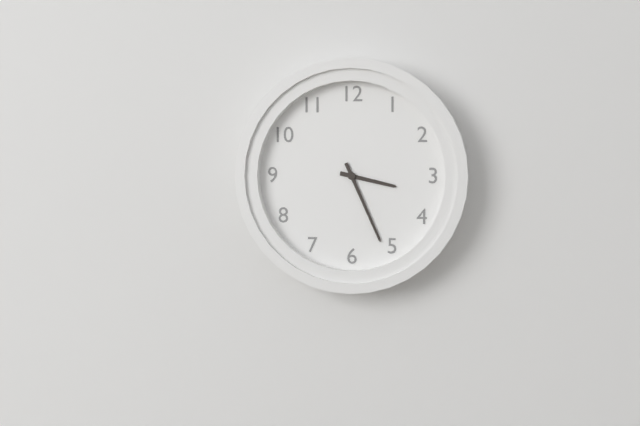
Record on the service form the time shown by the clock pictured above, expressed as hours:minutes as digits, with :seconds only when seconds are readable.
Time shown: 3:26
